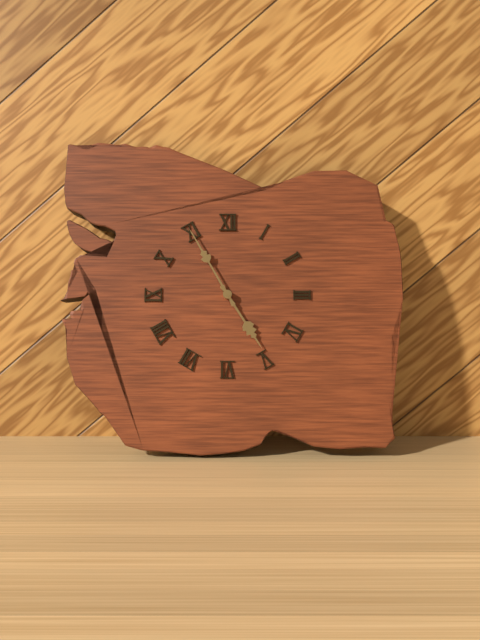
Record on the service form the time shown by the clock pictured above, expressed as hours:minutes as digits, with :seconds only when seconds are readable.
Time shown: 4:55
